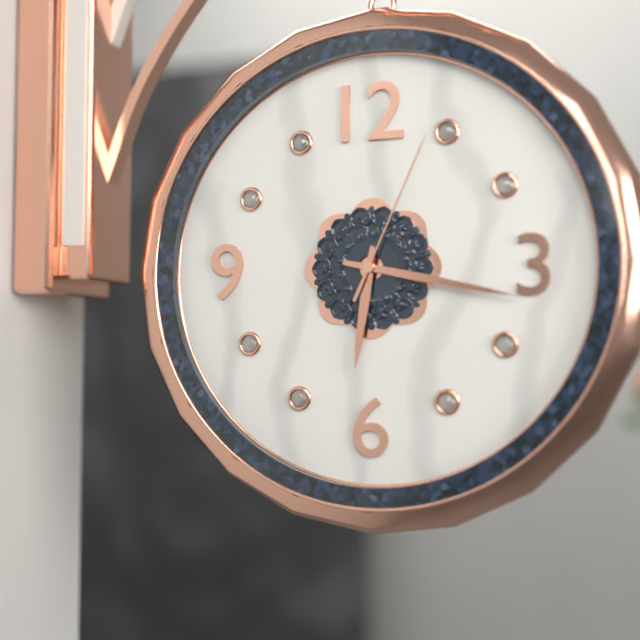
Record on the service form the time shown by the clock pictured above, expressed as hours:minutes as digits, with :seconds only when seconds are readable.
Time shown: 6:17:04
